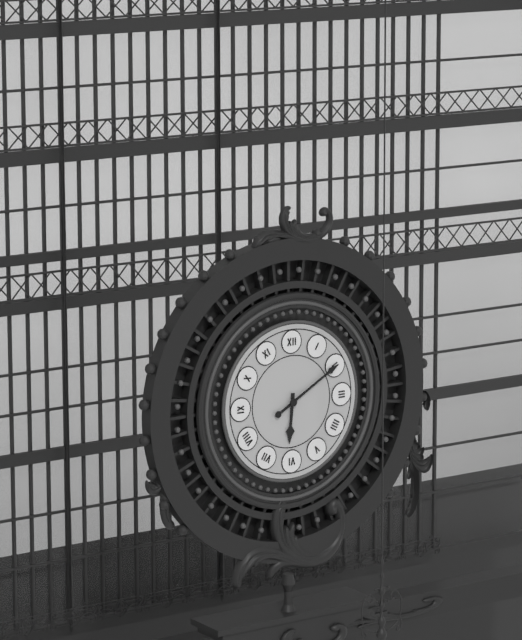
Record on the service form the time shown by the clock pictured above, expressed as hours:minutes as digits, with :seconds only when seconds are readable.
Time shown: 6:10
